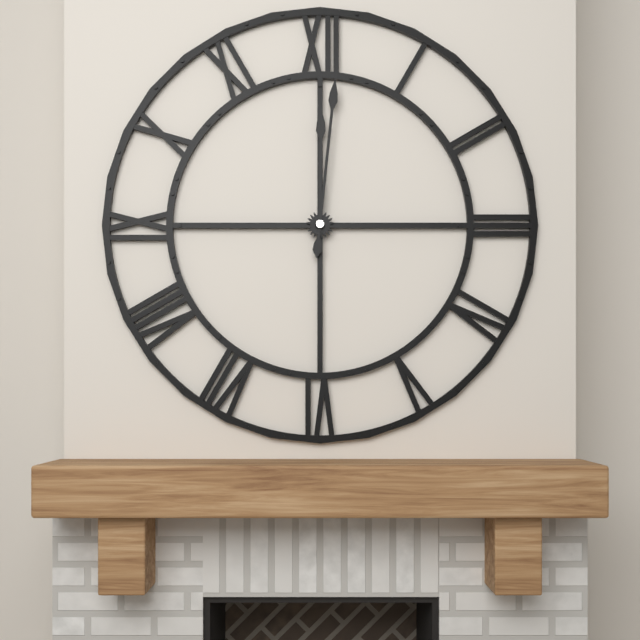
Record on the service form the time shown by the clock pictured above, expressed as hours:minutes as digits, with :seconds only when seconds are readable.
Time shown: 12:01
